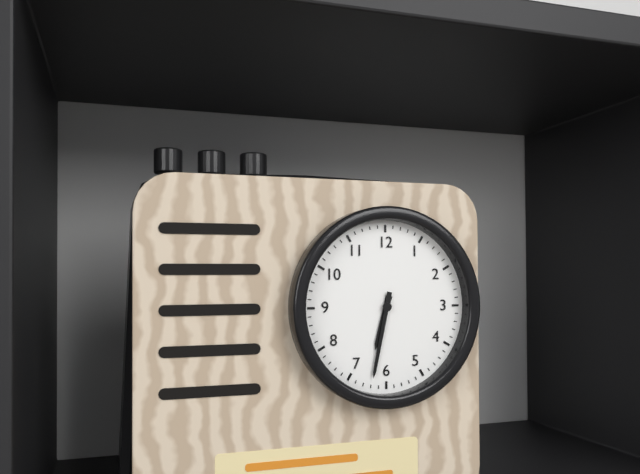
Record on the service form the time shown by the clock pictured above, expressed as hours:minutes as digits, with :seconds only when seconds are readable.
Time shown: 6:32
